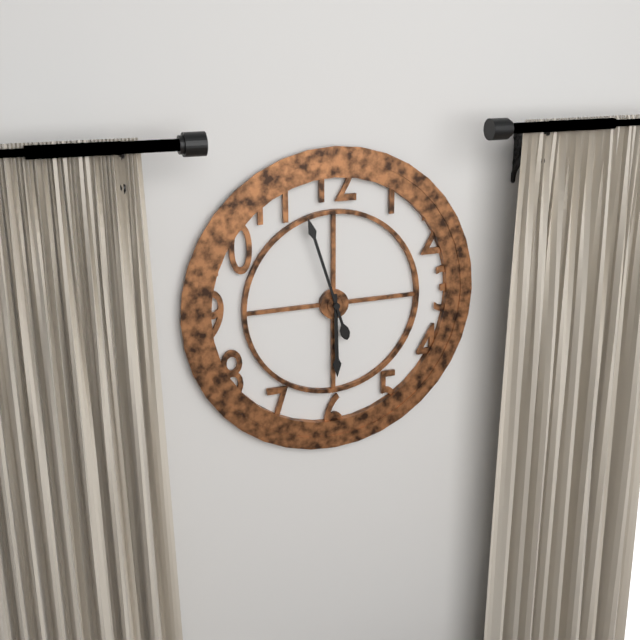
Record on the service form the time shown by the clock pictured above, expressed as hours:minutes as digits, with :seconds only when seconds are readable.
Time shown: 5:57
